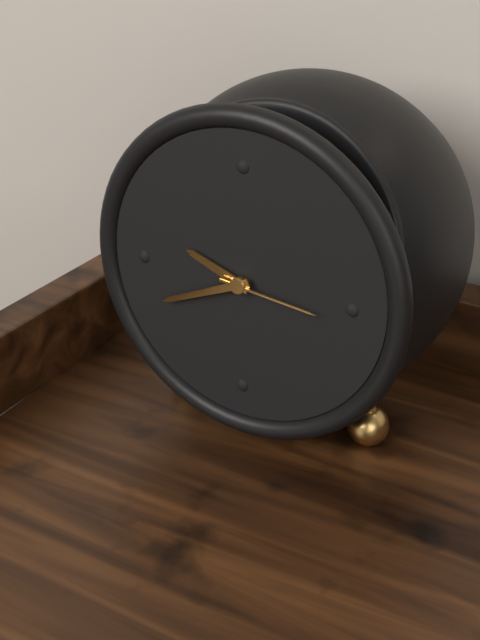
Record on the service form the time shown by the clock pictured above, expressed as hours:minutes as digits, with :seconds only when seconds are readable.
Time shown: 9:41:16
